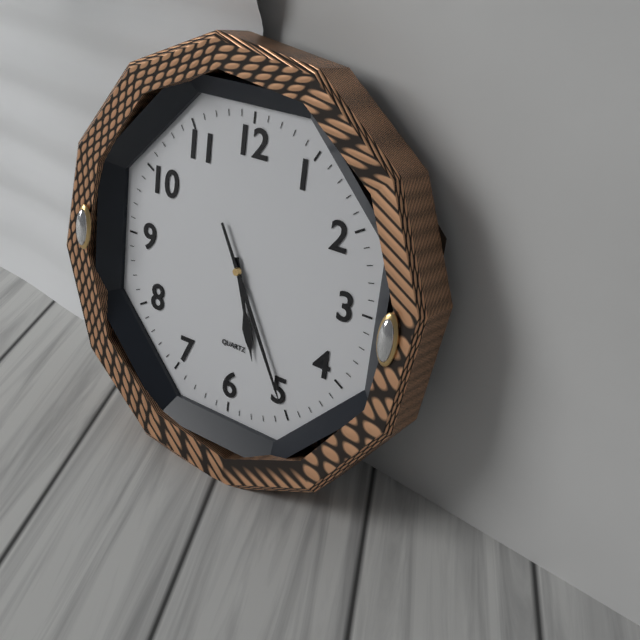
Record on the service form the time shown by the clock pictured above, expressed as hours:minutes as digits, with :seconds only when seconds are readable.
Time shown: 5:25
